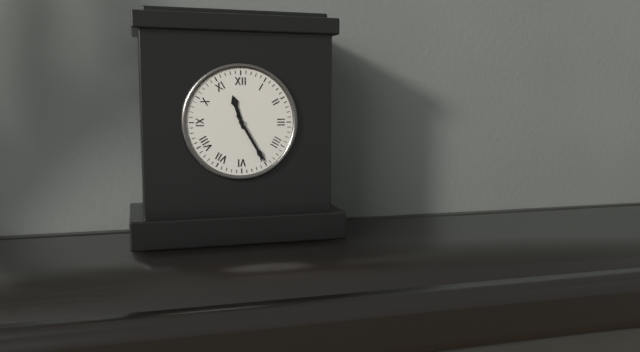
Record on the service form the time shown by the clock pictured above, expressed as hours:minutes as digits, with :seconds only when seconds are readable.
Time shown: 11:25
